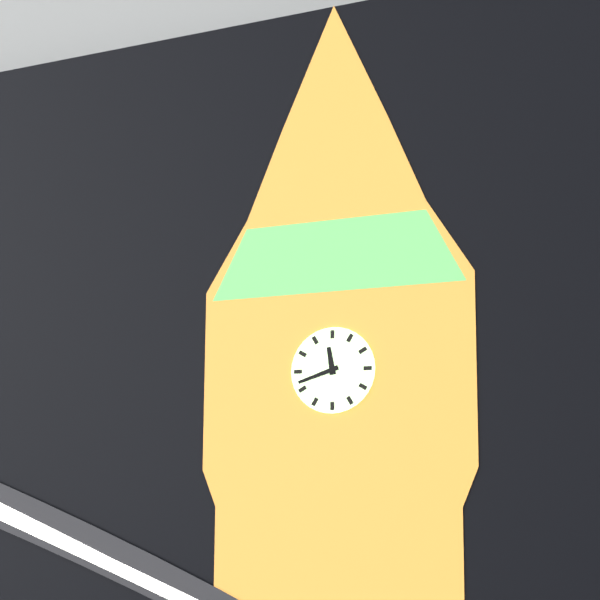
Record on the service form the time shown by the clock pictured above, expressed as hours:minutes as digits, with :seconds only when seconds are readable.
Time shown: 11:42
